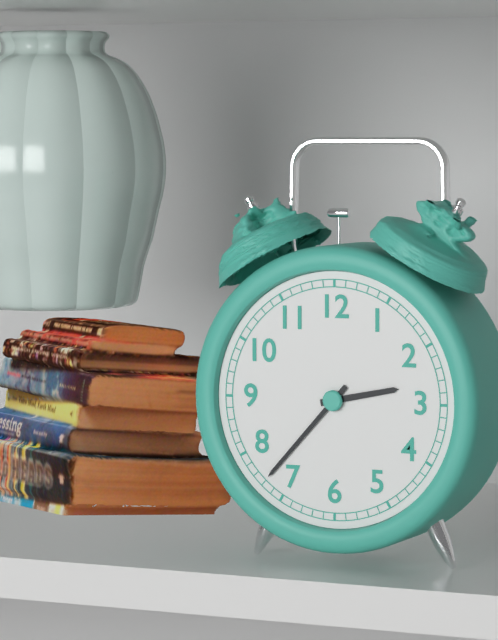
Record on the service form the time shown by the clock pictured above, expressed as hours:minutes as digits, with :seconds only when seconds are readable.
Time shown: 2:37
